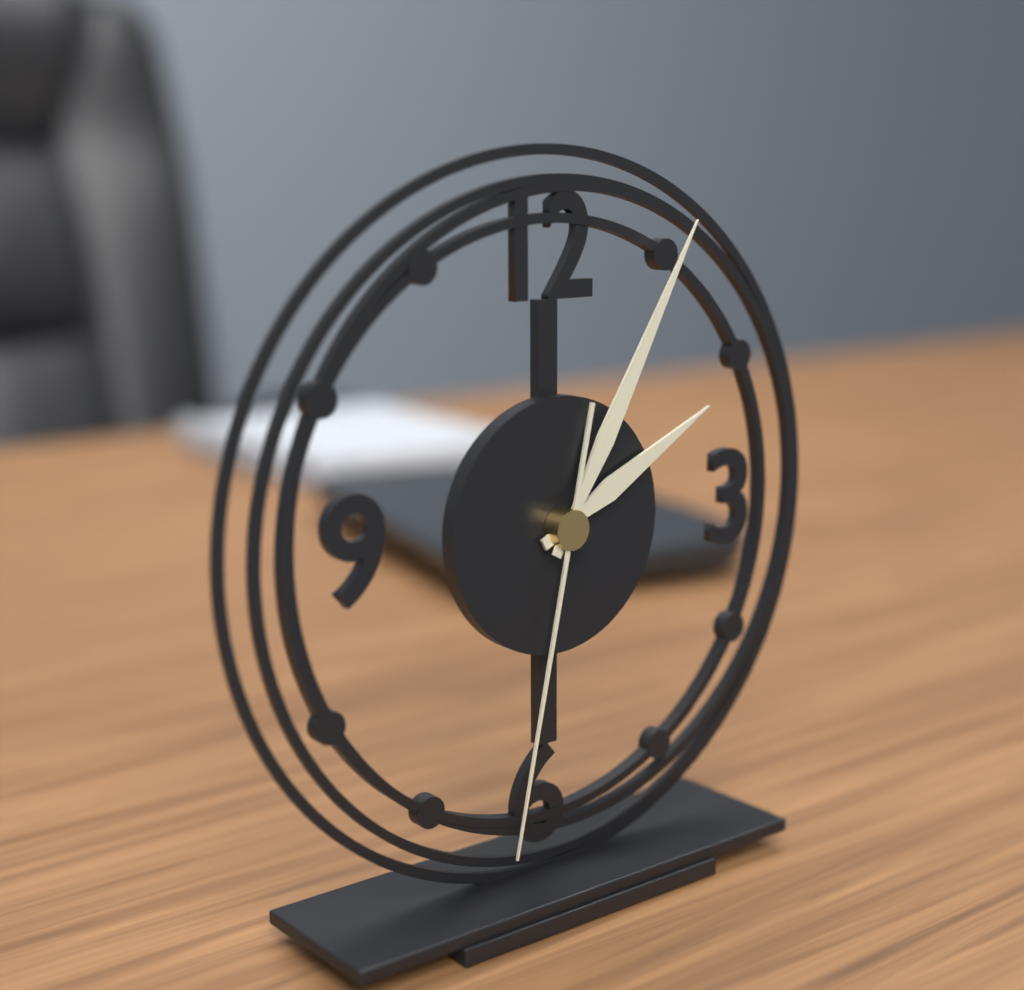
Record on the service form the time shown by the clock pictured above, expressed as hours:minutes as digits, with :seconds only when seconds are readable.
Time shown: 2:05:32
